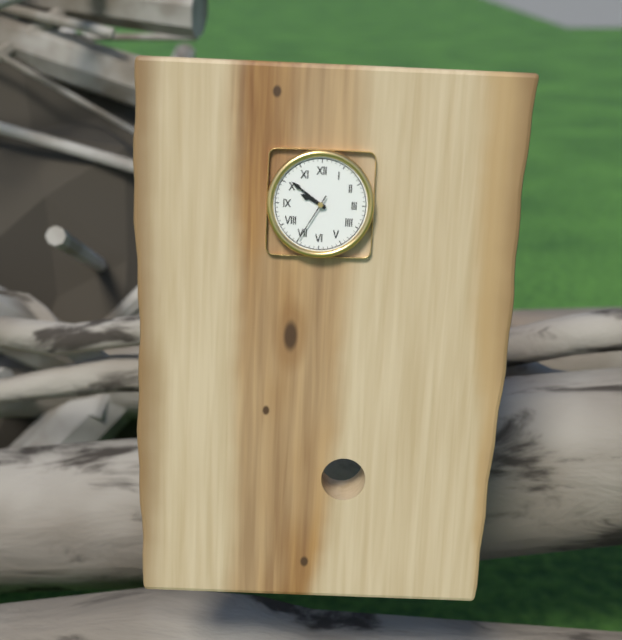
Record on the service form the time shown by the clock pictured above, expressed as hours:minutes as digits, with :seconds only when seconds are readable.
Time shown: 9:51:35
